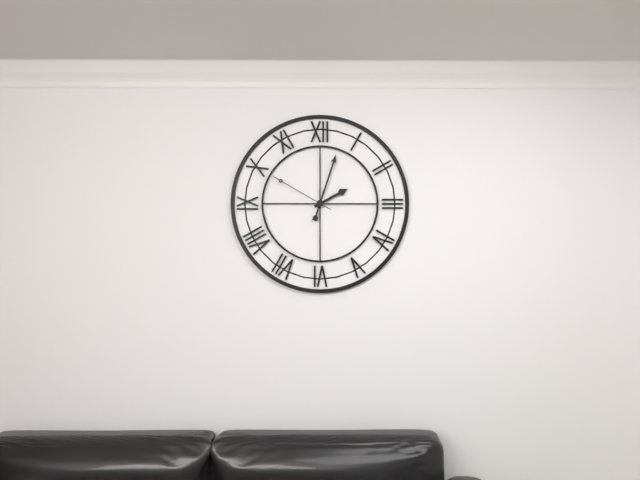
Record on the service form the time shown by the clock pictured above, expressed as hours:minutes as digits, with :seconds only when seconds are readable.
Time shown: 2:03:50
